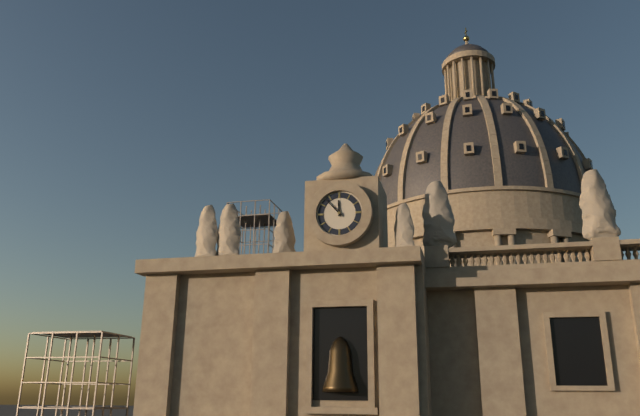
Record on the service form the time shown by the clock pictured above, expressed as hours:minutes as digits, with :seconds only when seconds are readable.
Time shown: 11:53
